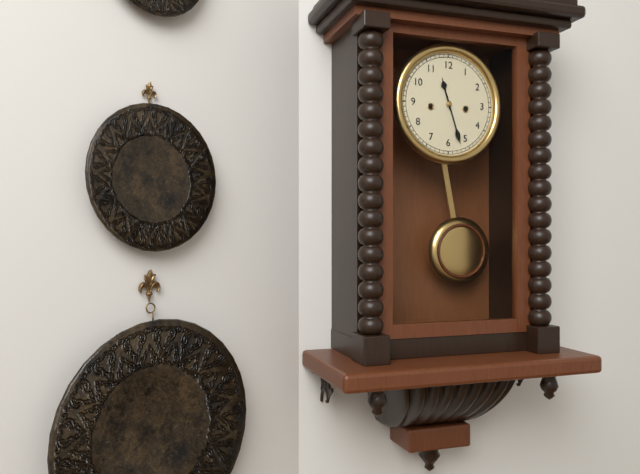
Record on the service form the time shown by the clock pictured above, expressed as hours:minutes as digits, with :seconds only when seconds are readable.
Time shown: 11:27
